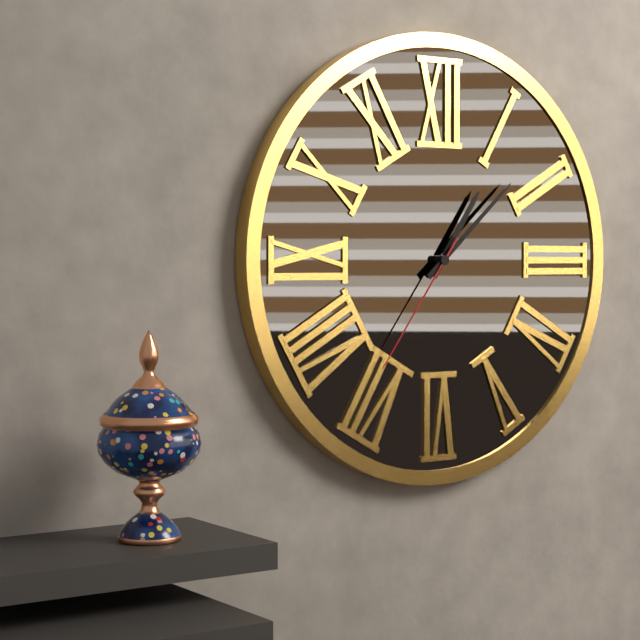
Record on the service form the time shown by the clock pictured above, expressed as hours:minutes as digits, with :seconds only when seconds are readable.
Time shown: 1:08:36
